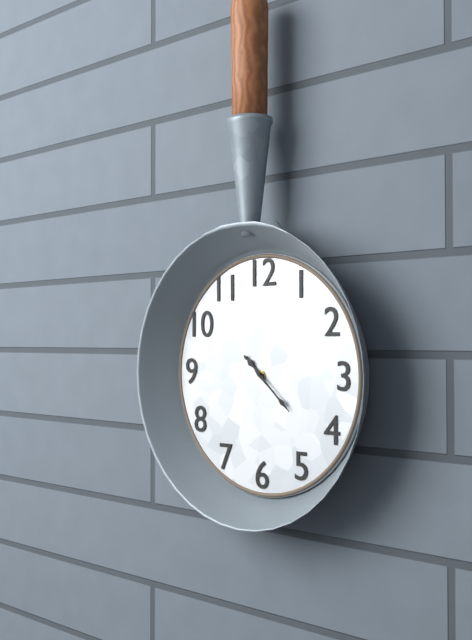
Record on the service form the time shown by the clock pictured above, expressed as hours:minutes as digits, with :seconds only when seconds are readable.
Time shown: 10:22
